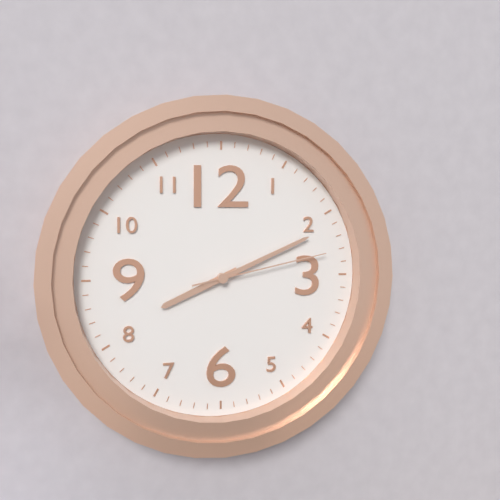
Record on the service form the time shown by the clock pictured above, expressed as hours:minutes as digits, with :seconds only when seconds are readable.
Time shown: 8:11:13
